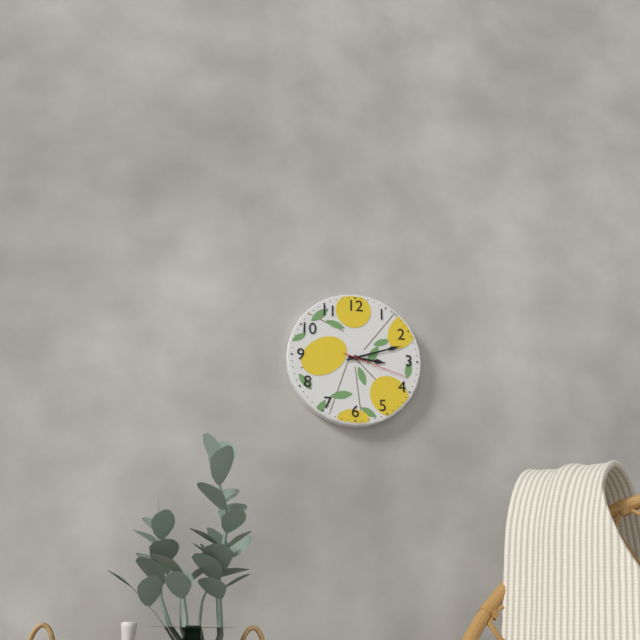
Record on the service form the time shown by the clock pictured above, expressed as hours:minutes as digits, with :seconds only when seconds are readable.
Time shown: 3:12:18
